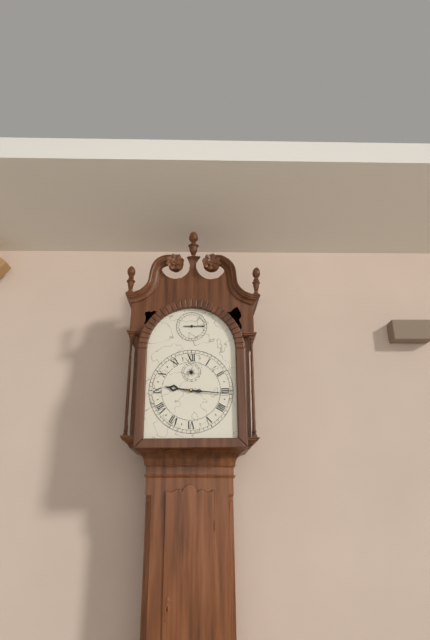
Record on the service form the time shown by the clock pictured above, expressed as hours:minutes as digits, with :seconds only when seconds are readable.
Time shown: 9:16
